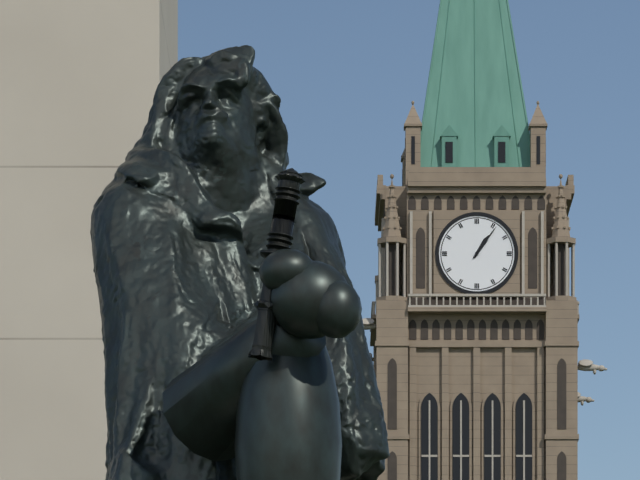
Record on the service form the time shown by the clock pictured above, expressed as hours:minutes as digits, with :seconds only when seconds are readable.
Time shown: 1:06
